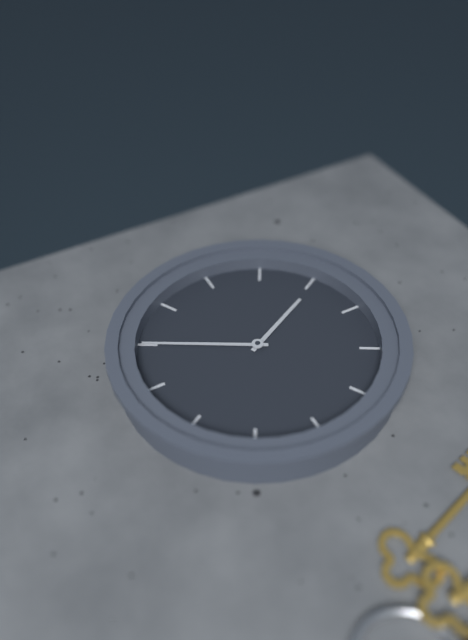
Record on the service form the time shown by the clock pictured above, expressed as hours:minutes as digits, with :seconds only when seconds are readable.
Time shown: 5:05
